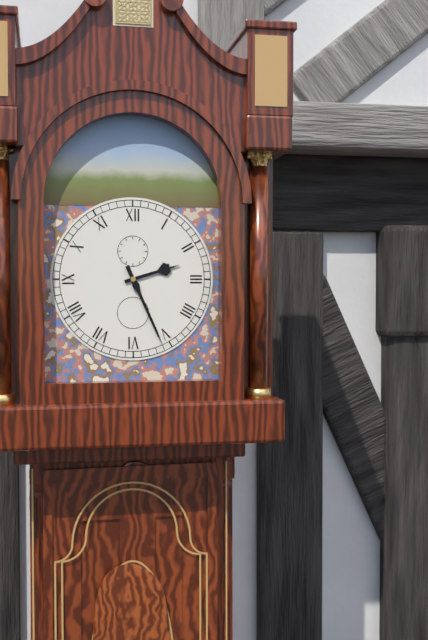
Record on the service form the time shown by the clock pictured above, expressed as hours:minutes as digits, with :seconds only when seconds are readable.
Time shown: 2:26
